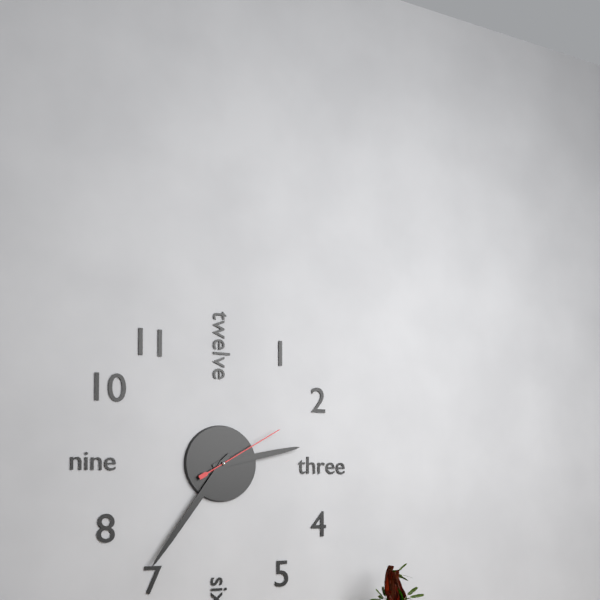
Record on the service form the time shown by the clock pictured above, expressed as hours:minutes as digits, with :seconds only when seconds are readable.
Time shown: 2:36:10
